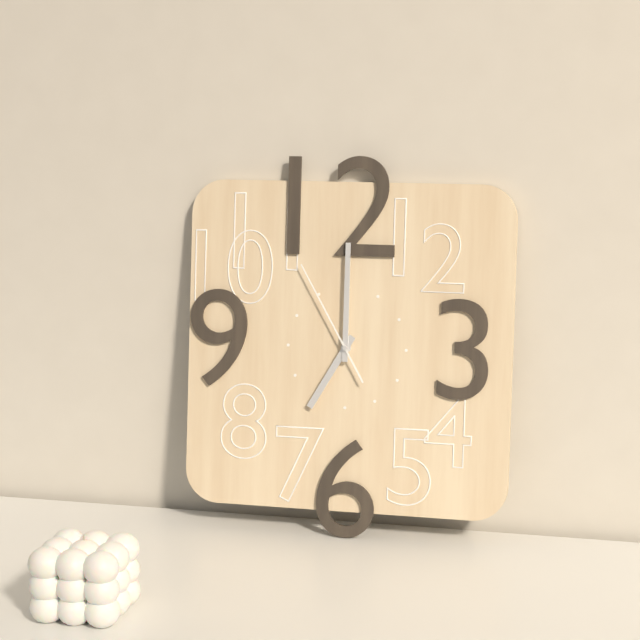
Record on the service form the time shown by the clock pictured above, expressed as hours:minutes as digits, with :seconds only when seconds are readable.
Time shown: 7:00:55
